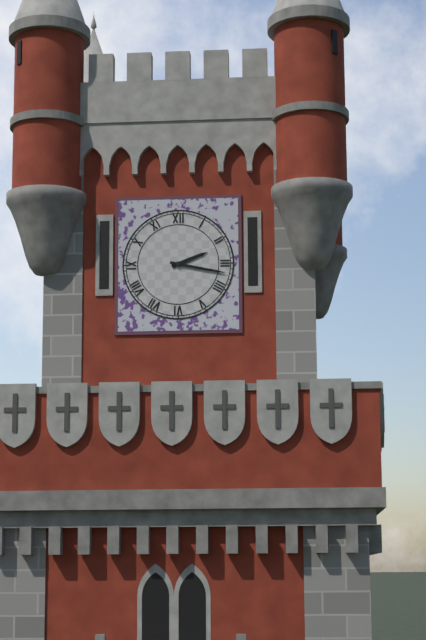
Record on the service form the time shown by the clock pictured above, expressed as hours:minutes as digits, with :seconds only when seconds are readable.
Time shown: 2:17
